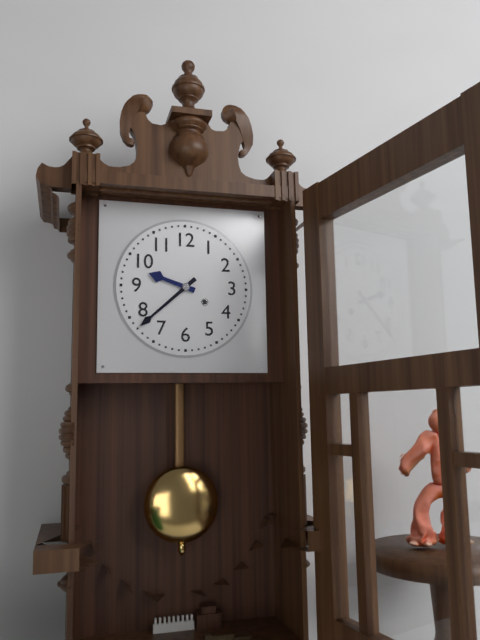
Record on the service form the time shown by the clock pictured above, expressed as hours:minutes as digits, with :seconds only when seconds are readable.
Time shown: 9:38
